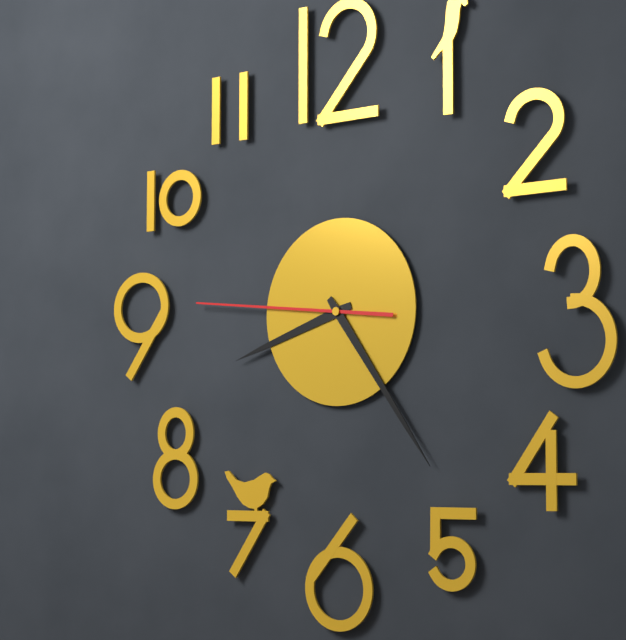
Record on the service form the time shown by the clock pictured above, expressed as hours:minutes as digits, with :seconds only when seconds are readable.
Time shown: 8:24:46
